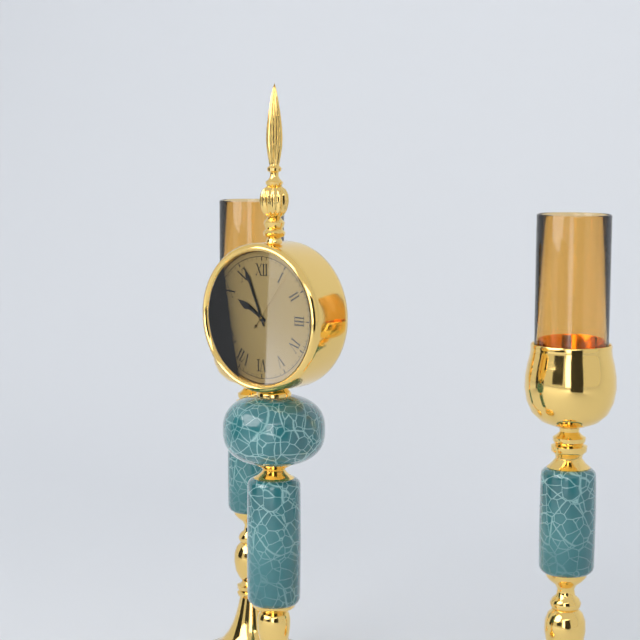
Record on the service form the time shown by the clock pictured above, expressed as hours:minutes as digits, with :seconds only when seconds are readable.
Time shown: 9:56:06
